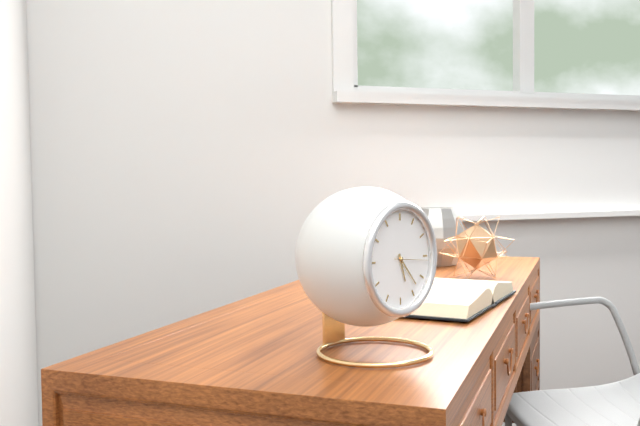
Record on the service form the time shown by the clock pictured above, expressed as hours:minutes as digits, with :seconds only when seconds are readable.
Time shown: 5:23
